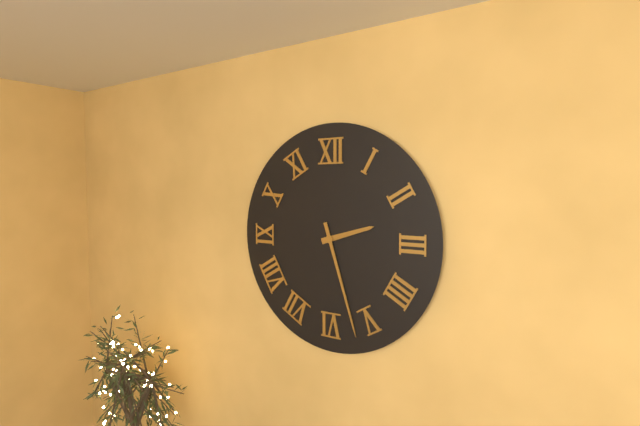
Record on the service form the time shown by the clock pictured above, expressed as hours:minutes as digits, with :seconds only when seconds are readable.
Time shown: 2:27
